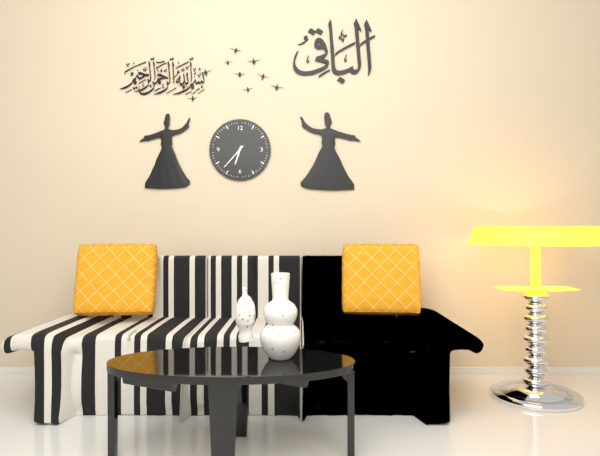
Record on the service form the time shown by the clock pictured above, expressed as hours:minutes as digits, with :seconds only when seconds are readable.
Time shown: 6:37
